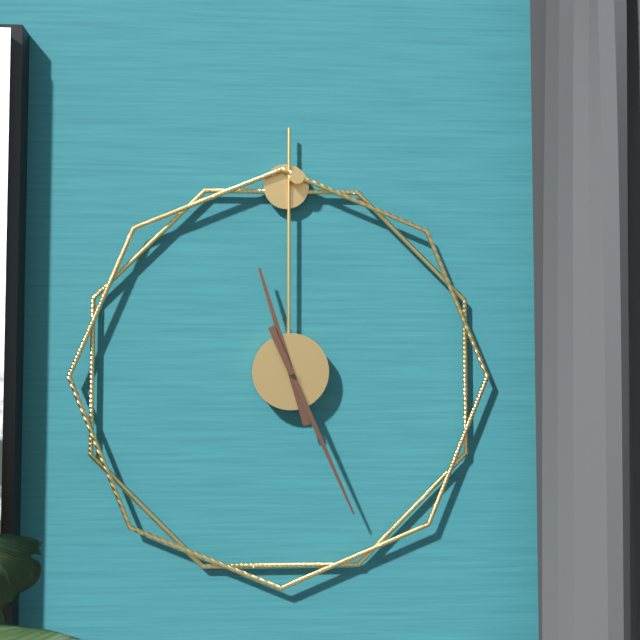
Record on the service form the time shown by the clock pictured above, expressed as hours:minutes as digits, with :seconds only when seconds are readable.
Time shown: 11:26
